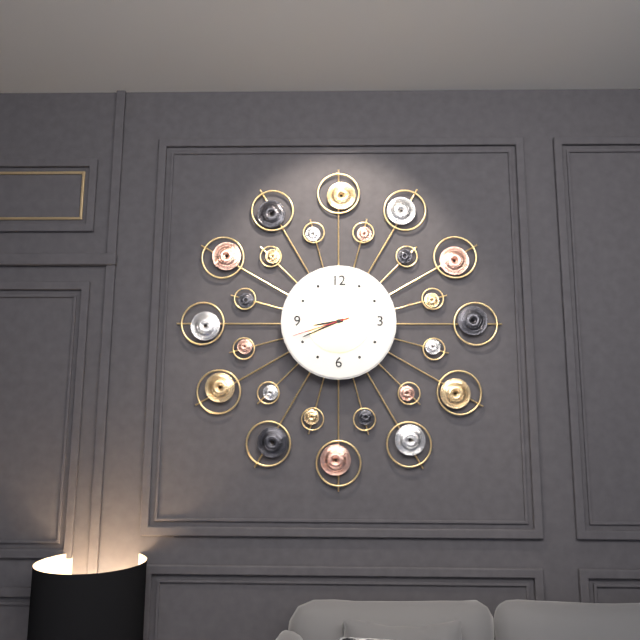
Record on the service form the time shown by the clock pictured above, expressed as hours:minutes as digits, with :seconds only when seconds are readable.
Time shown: 8:41:42
